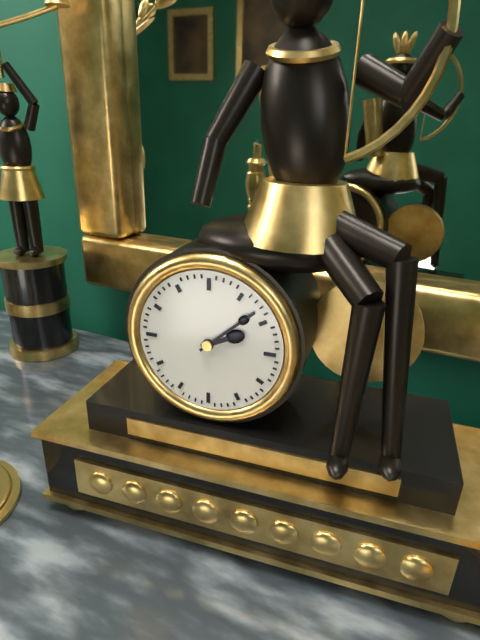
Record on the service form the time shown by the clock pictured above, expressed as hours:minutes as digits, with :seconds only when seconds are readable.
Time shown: 2:08
